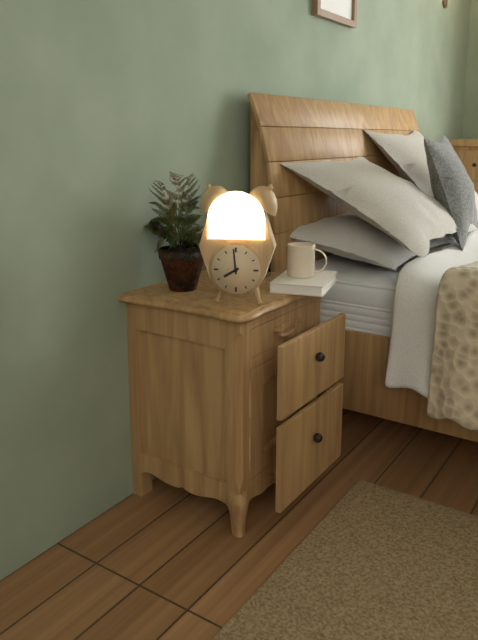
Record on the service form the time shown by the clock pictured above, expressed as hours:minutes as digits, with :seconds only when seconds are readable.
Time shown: 7:59
